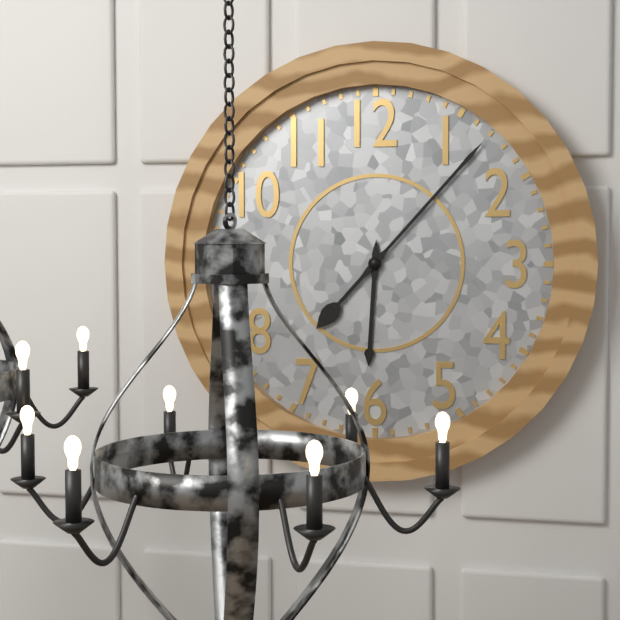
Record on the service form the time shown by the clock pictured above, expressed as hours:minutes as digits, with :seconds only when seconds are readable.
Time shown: 6:07
